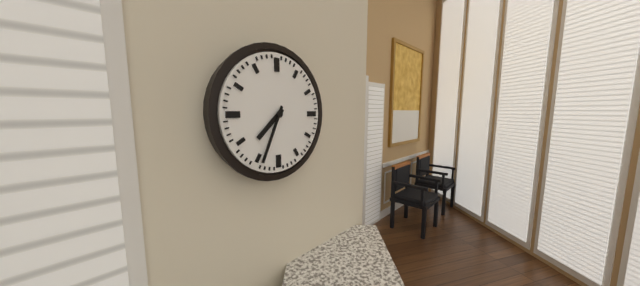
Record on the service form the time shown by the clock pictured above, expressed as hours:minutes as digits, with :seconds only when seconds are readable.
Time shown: 7:34
